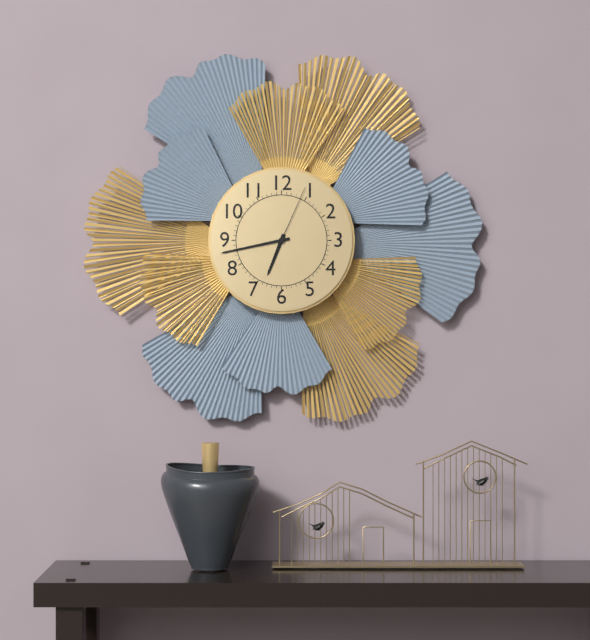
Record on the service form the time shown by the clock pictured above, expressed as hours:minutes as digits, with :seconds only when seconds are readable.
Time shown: 6:43:04
